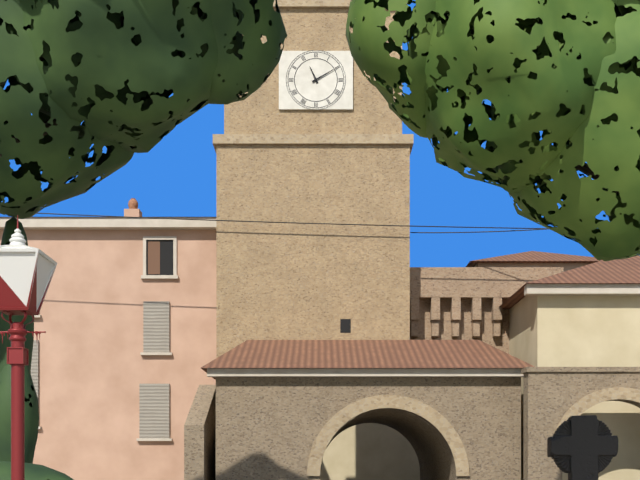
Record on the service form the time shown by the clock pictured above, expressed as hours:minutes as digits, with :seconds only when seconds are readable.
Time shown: 11:10
